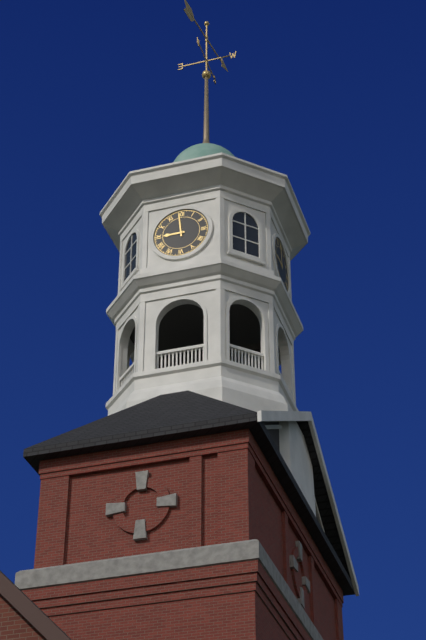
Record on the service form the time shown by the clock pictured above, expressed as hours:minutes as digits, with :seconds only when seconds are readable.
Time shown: 8:59
